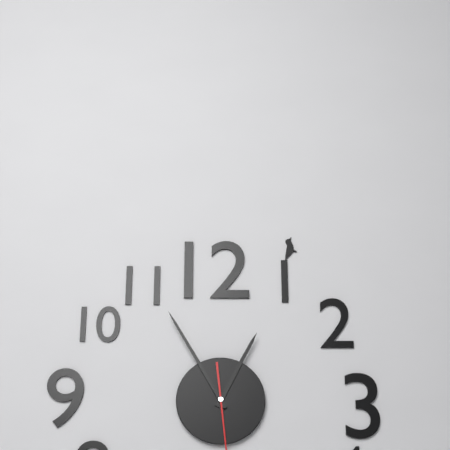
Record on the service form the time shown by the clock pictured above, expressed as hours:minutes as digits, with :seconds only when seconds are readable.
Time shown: 12:55
